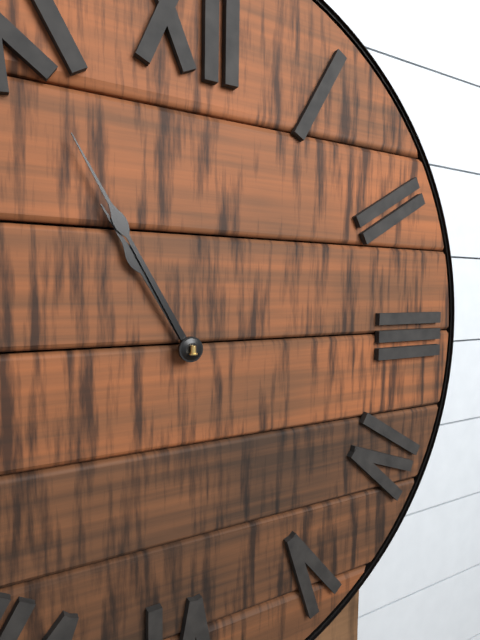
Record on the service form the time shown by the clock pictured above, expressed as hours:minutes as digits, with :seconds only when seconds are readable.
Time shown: 10:55
